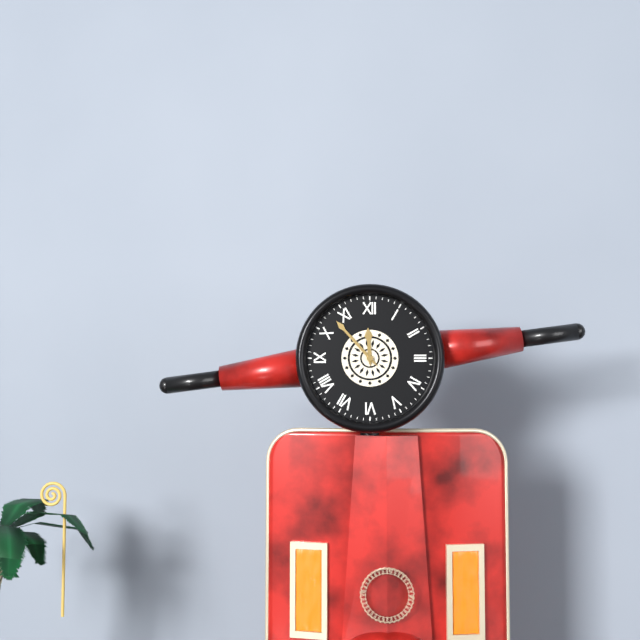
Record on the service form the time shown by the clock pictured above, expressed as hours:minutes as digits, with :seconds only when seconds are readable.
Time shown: 11:53
